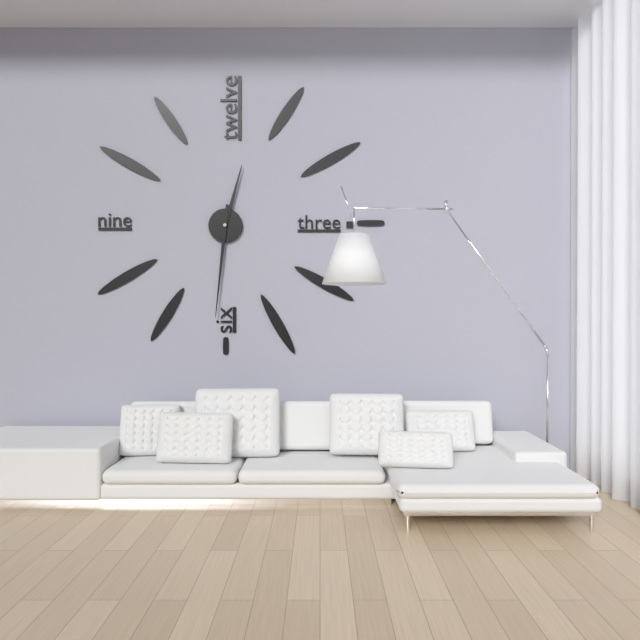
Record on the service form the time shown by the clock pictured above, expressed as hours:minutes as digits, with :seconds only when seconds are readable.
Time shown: 12:31
